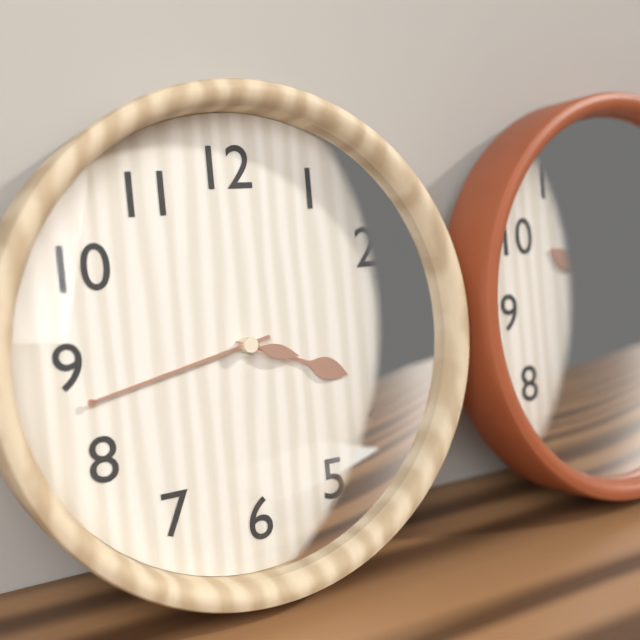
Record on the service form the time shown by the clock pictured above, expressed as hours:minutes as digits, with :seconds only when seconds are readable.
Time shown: 3:43:18
